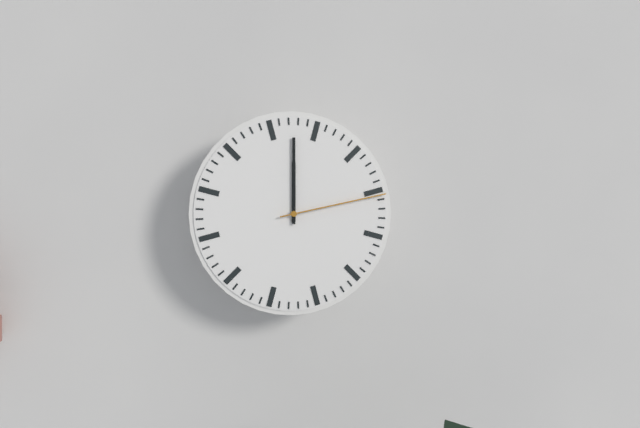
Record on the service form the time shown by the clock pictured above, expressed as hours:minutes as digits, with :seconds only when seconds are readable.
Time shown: 12:00:13
